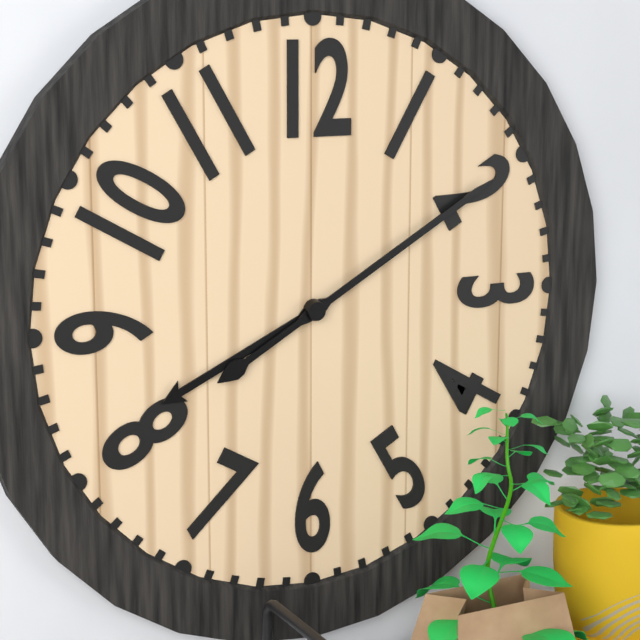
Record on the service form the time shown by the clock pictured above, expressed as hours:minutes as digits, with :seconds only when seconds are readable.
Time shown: 8:10
